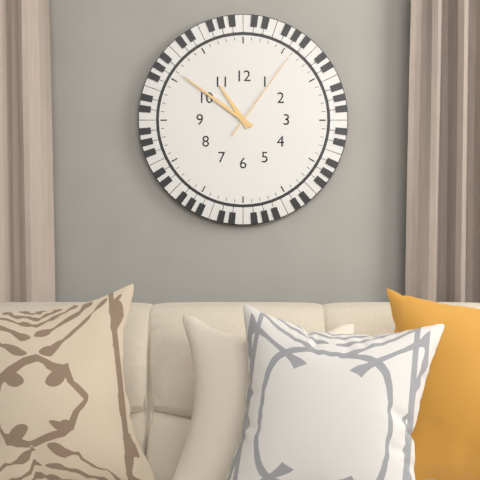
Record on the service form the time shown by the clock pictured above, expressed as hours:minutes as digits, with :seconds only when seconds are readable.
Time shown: 10:51:06
